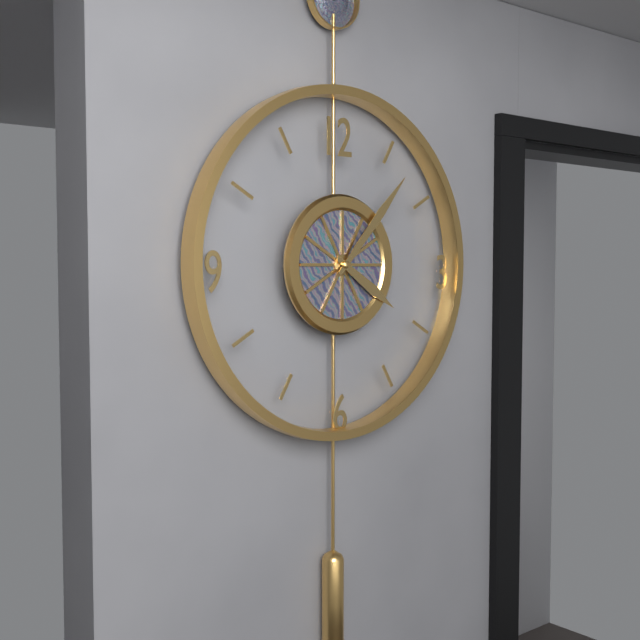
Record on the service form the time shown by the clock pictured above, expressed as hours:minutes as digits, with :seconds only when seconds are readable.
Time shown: 4:07
